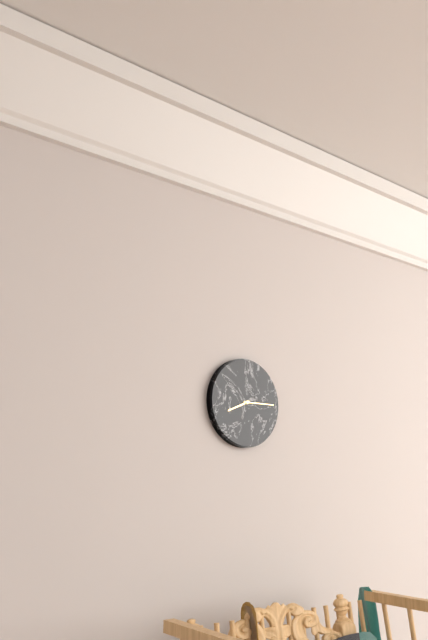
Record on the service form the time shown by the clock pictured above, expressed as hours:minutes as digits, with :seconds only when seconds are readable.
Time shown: 8:15
